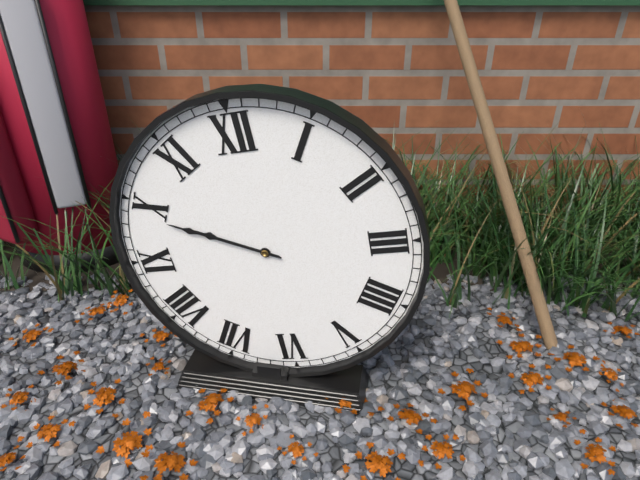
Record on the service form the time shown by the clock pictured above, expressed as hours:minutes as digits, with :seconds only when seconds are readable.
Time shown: 9:49
